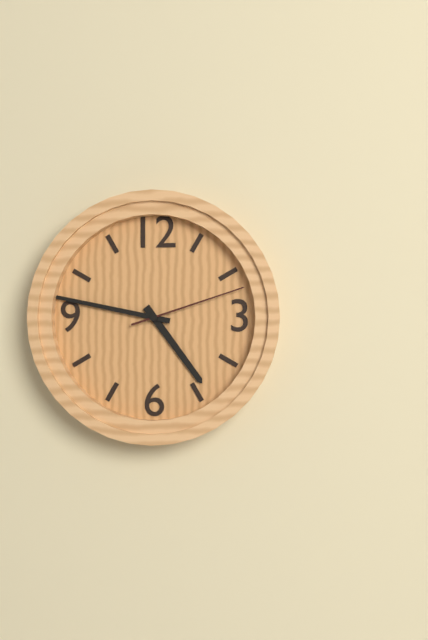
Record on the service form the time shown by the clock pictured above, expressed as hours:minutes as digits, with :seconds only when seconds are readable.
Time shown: 4:47:12
